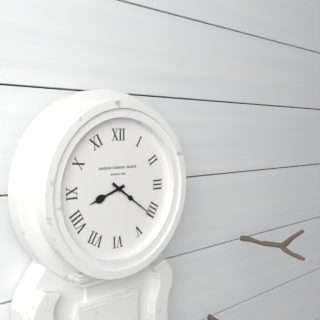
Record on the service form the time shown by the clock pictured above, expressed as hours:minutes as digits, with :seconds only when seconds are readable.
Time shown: 8:21
